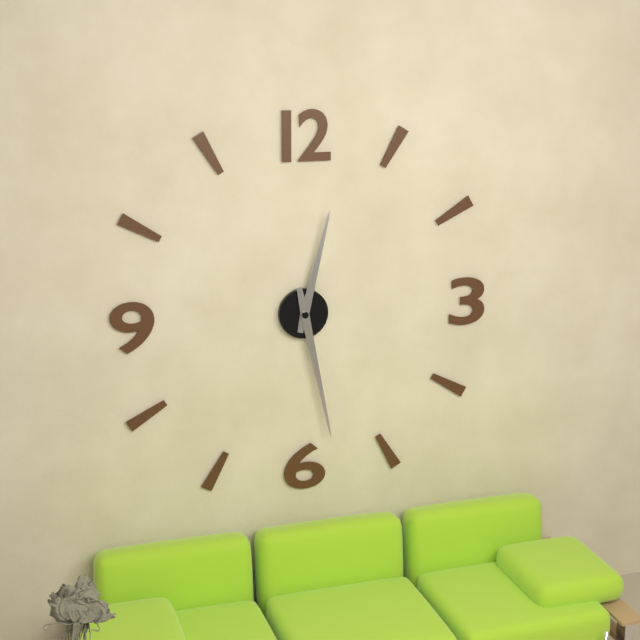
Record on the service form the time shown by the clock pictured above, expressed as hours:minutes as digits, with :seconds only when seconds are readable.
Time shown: 12:28
